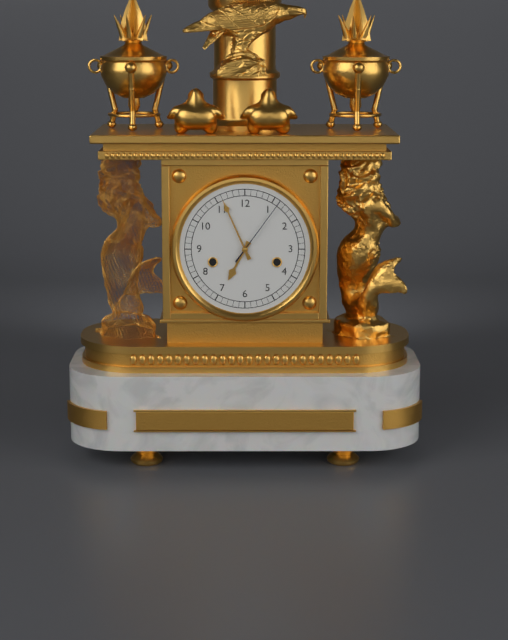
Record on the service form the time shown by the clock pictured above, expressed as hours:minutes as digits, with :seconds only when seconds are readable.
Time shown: 6:56:06
